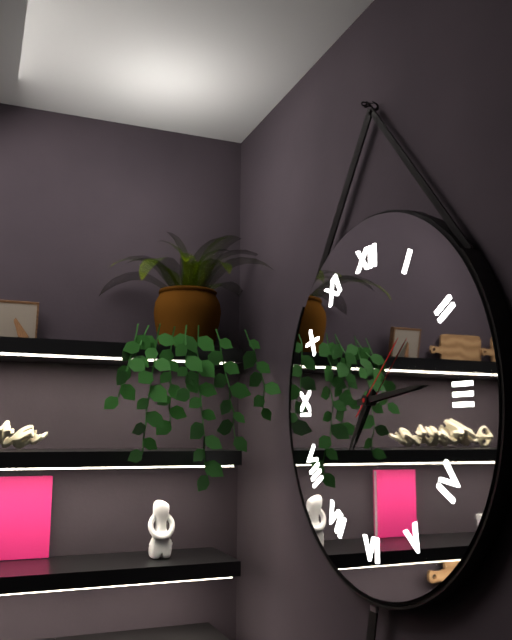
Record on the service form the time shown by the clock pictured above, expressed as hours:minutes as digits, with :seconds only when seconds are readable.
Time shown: 7:14:08
